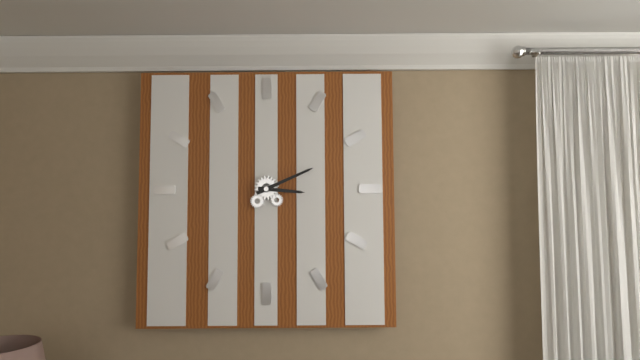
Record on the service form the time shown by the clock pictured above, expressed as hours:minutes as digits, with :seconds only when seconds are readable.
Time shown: 3:11
